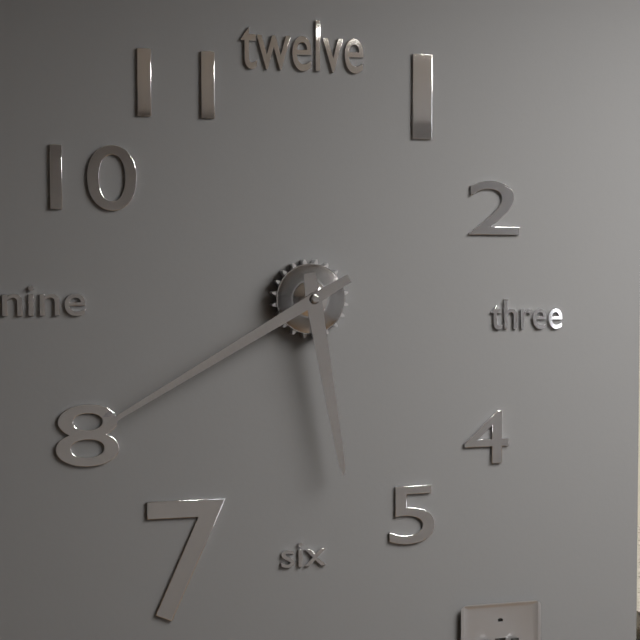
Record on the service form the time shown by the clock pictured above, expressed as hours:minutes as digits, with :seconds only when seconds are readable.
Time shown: 5:40
